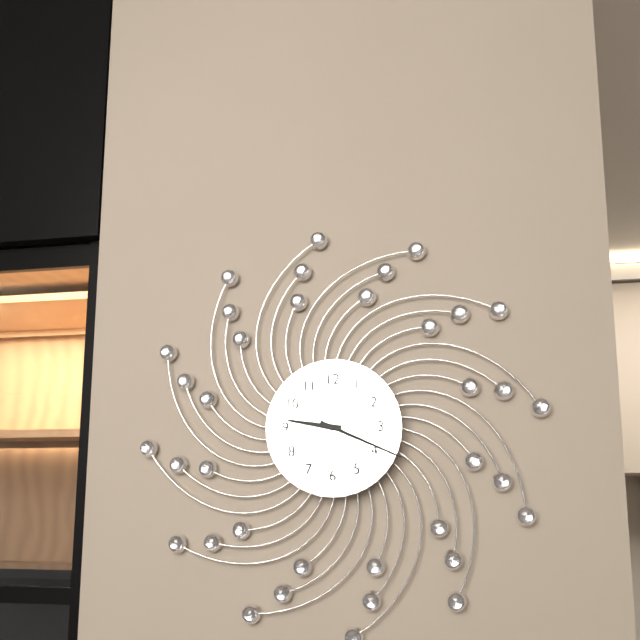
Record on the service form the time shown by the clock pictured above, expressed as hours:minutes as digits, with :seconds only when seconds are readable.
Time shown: 9:19
